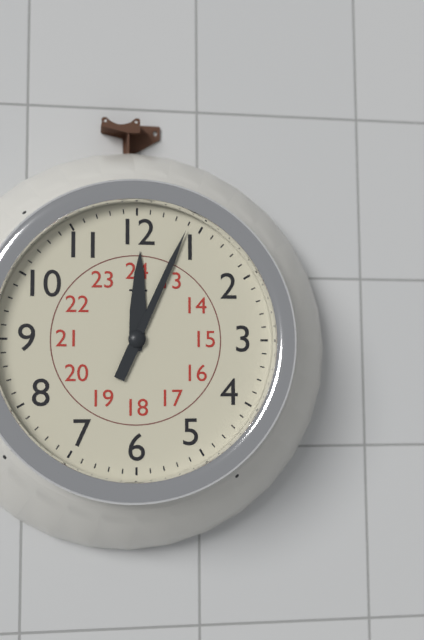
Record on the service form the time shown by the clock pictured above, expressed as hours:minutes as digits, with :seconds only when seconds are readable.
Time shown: 12:04
